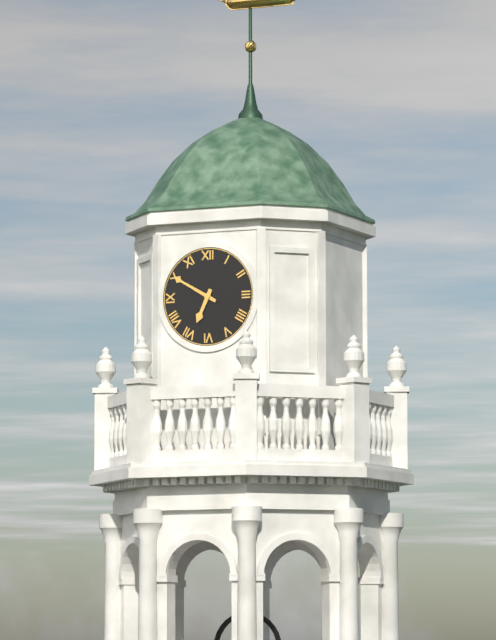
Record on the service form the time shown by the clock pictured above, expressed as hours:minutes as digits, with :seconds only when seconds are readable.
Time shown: 6:50
